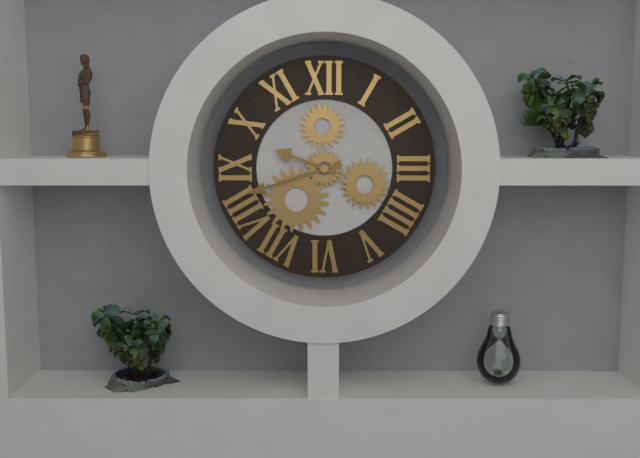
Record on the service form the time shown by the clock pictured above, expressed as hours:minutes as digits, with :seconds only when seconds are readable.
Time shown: 9:42
